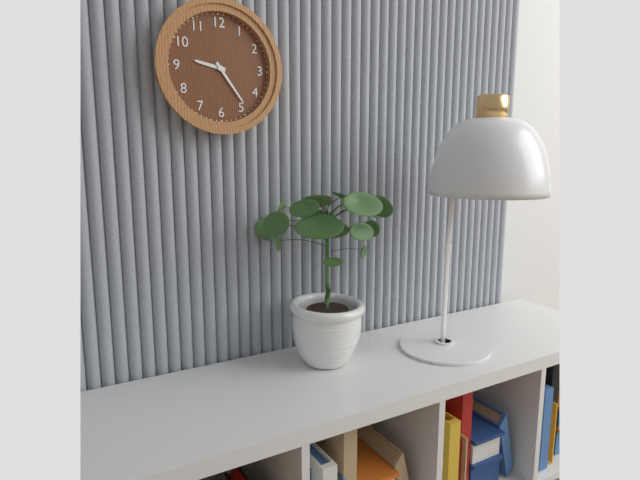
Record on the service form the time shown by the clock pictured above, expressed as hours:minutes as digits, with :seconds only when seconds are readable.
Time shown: 9:24
